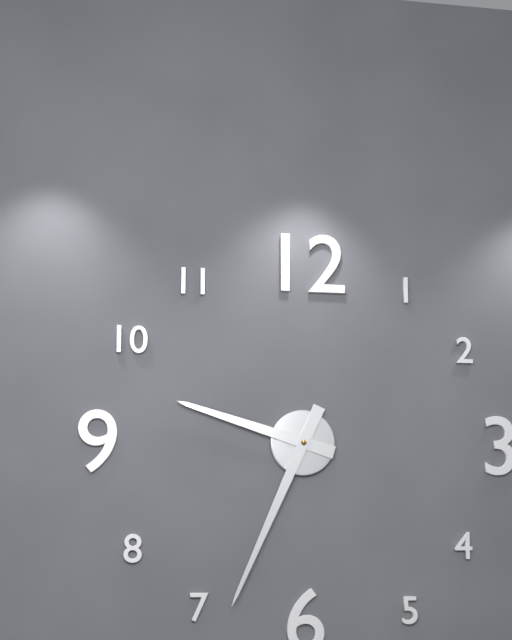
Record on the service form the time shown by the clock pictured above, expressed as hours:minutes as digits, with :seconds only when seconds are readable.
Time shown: 9:34
